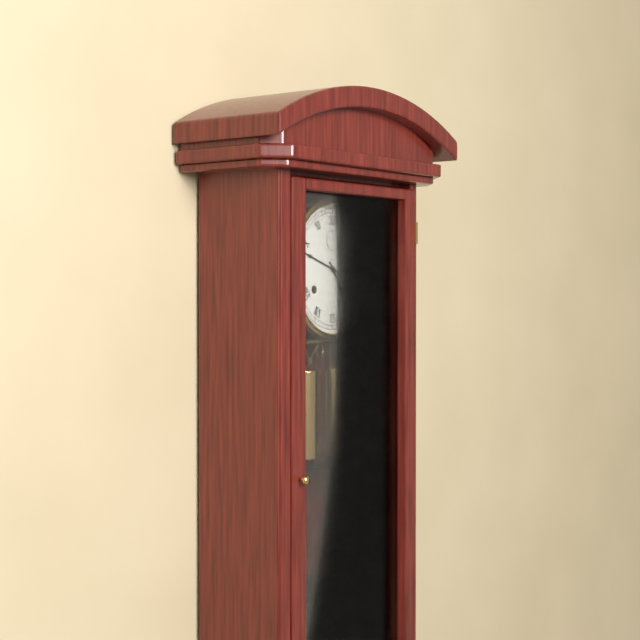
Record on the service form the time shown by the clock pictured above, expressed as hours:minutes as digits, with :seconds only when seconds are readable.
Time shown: 4:48
